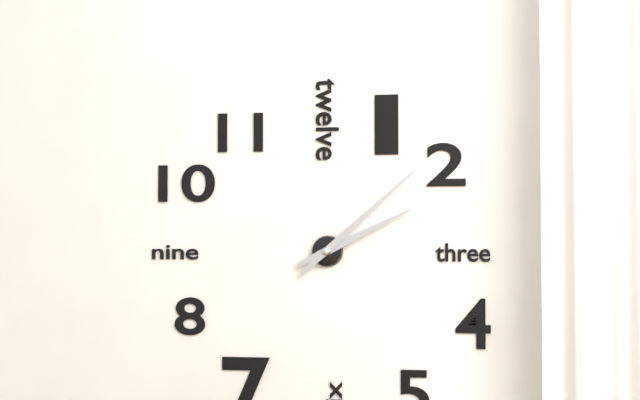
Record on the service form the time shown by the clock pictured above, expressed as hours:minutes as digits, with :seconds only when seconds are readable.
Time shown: 2:08
